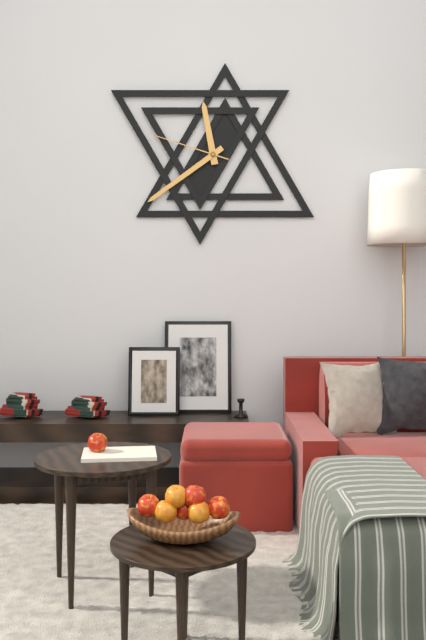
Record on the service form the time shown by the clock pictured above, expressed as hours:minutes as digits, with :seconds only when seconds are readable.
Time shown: 11:39:48
